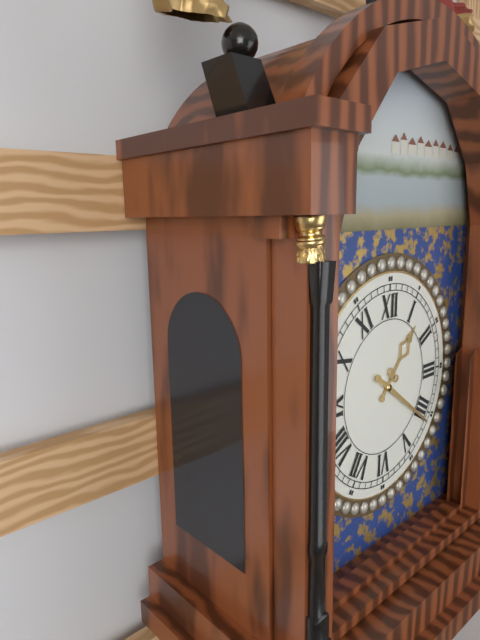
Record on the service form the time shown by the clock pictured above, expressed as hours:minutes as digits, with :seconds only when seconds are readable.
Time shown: 1:21
